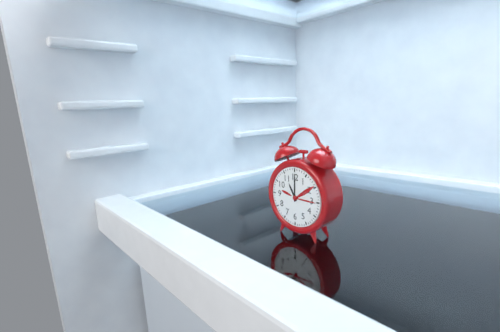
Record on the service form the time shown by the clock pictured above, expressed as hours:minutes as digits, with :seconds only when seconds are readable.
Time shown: 11:00
